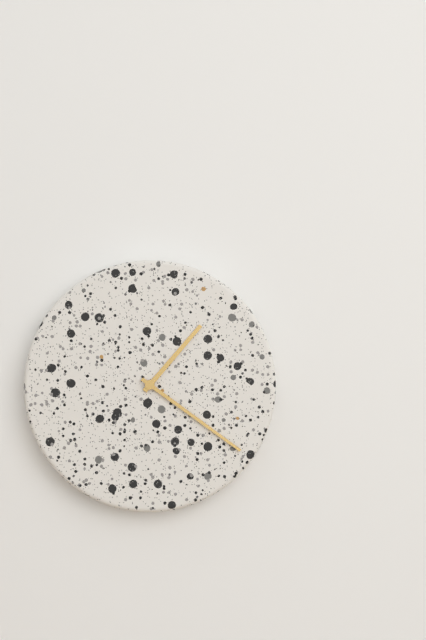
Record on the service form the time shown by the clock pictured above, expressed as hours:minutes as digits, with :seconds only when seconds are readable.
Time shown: 1:21
